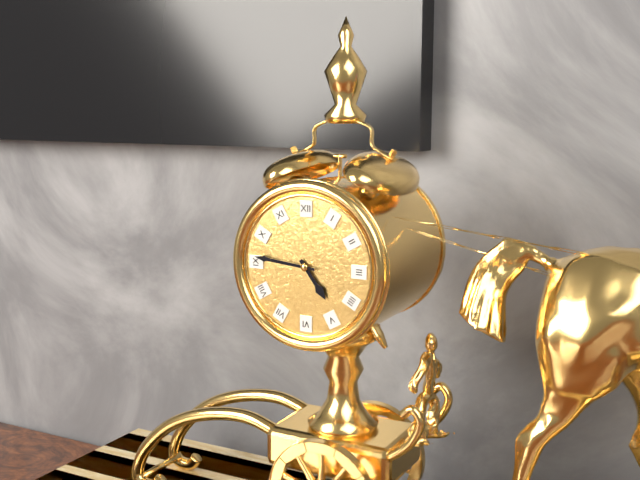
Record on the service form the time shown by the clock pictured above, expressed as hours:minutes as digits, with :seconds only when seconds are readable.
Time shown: 4:46
